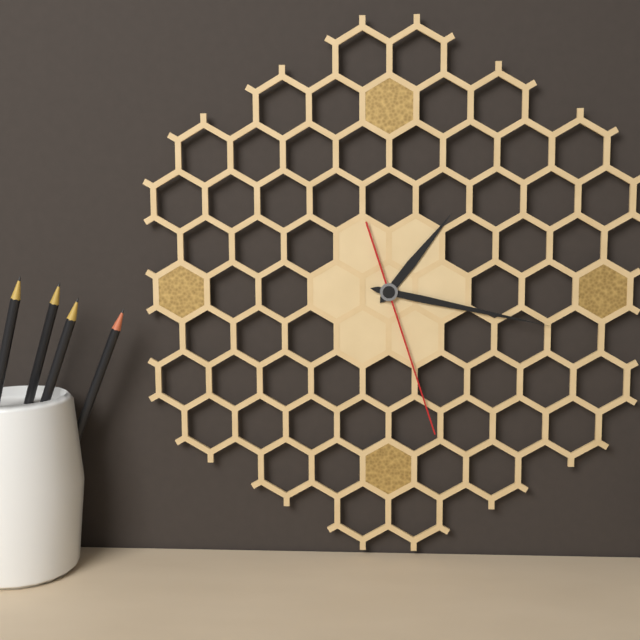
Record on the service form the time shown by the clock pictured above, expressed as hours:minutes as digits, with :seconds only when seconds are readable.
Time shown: 1:17:27
